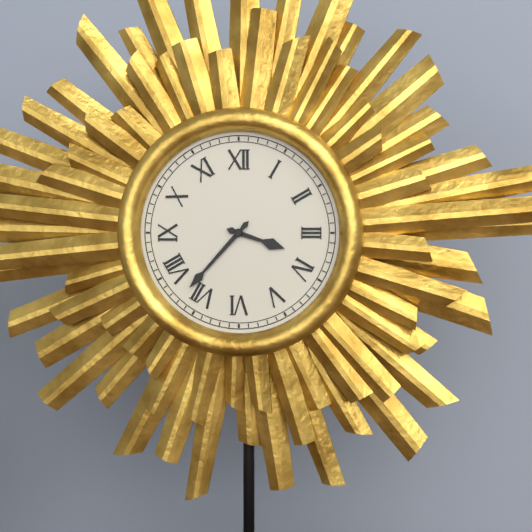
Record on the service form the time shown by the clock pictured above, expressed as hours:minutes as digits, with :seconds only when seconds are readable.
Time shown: 3:37
